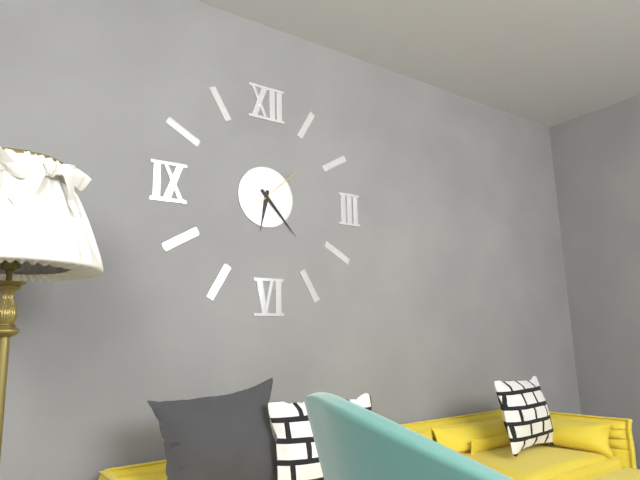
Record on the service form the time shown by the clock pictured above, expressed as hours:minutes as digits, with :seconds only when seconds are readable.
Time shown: 6:23
